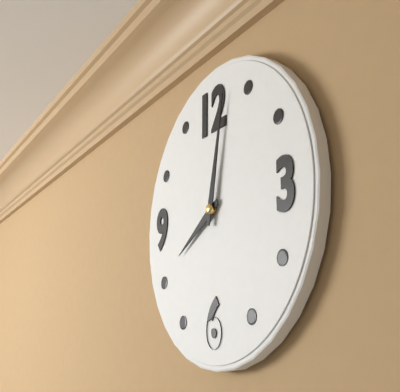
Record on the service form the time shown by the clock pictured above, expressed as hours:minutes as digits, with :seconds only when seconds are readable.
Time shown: 8:02
